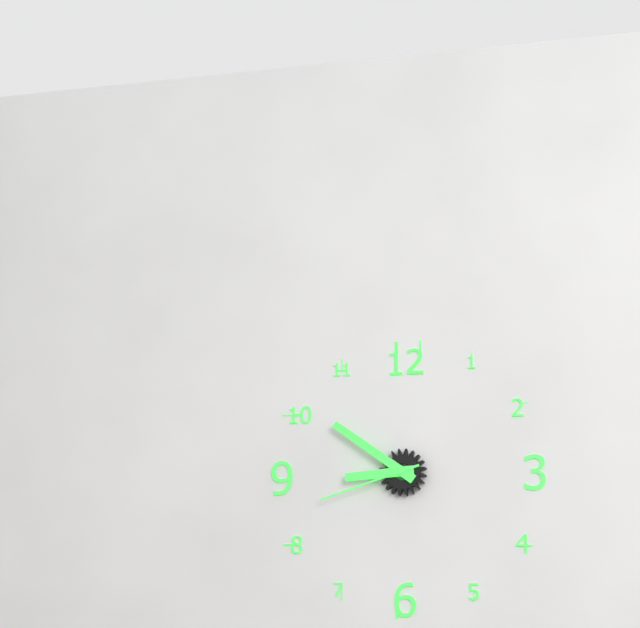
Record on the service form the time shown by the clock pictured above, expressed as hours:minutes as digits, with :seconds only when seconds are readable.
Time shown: 8:51:42
